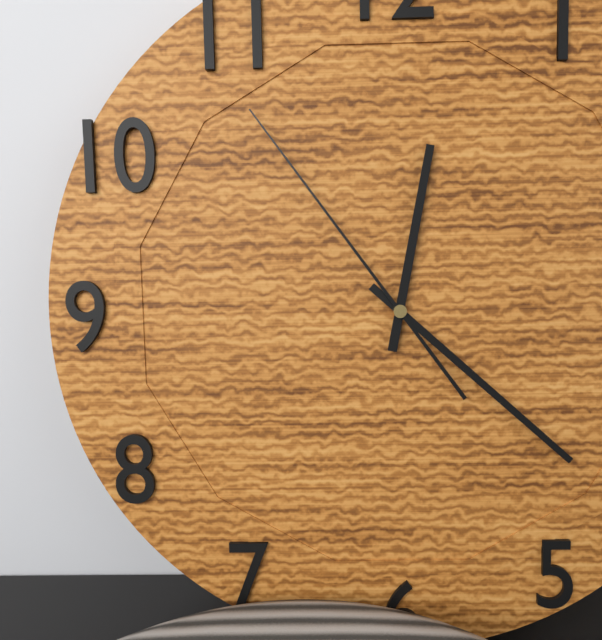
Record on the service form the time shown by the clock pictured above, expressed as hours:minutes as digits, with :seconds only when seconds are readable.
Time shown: 12:22:54
